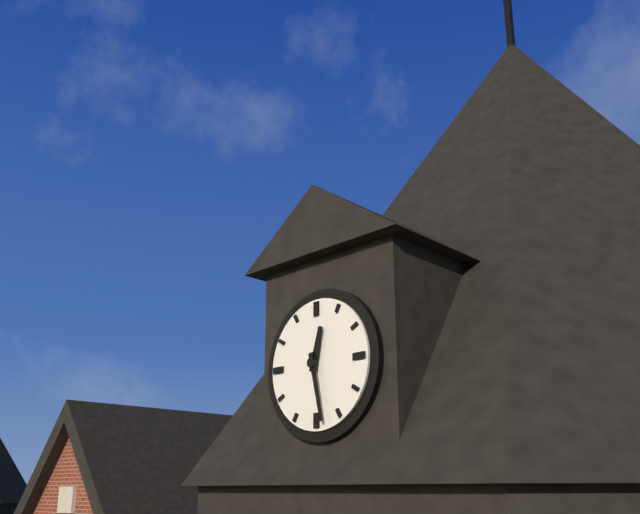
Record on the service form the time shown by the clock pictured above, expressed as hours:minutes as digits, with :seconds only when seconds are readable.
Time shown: 12:28
